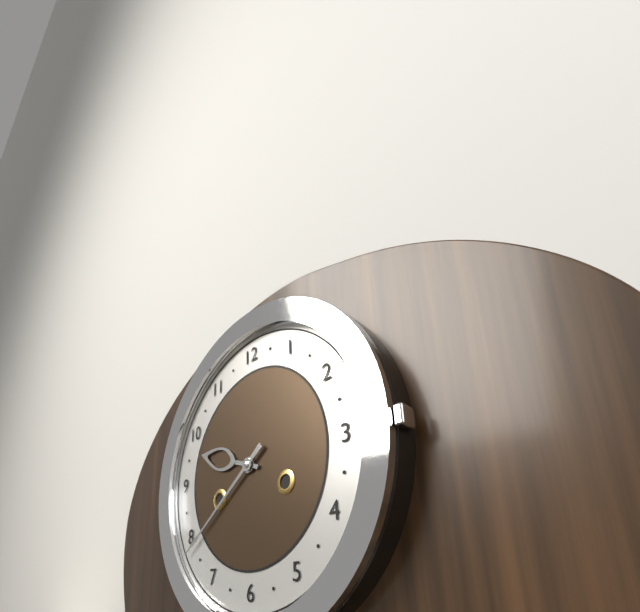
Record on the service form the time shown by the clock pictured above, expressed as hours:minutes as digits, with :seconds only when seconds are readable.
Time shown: 9:39
